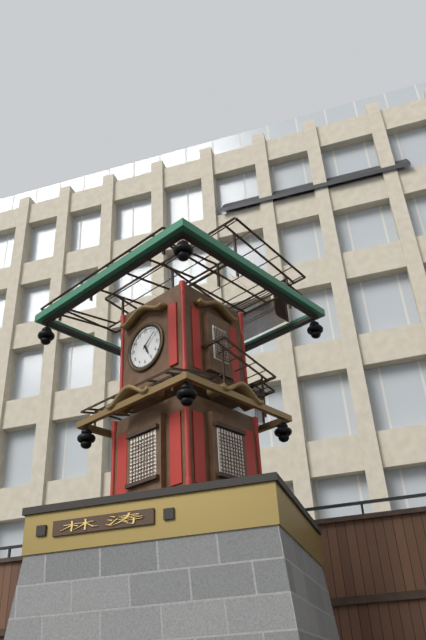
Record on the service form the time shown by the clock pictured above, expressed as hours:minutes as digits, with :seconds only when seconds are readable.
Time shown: 5:08
